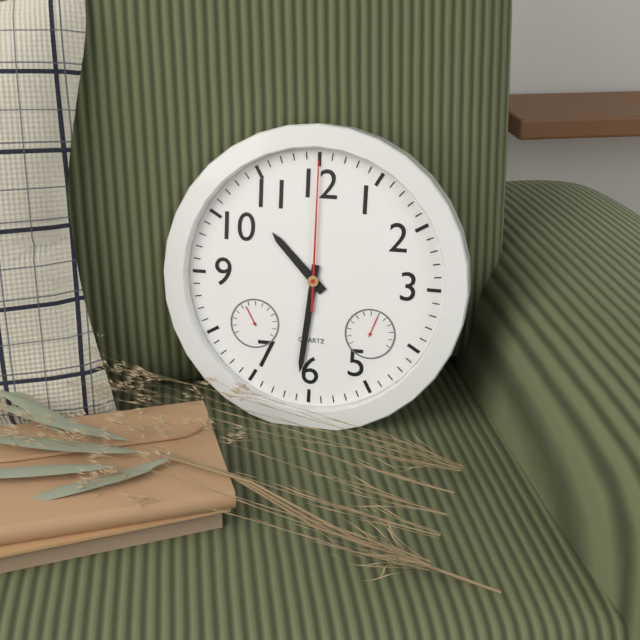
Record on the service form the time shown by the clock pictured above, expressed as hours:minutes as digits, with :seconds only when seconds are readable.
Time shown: 10:31:00
